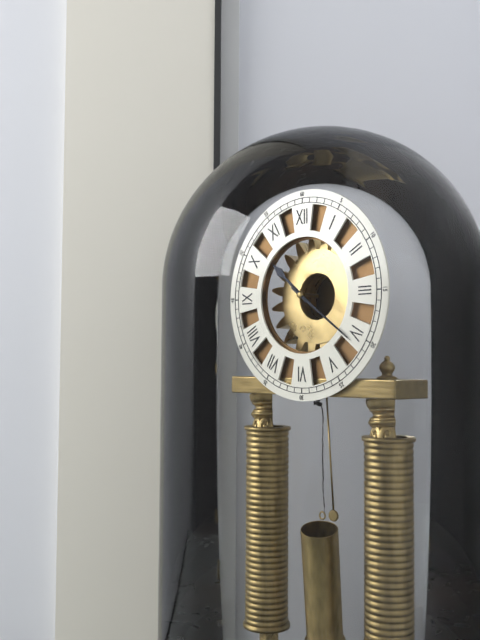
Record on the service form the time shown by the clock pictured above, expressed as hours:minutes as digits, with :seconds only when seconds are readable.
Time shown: 10:21
